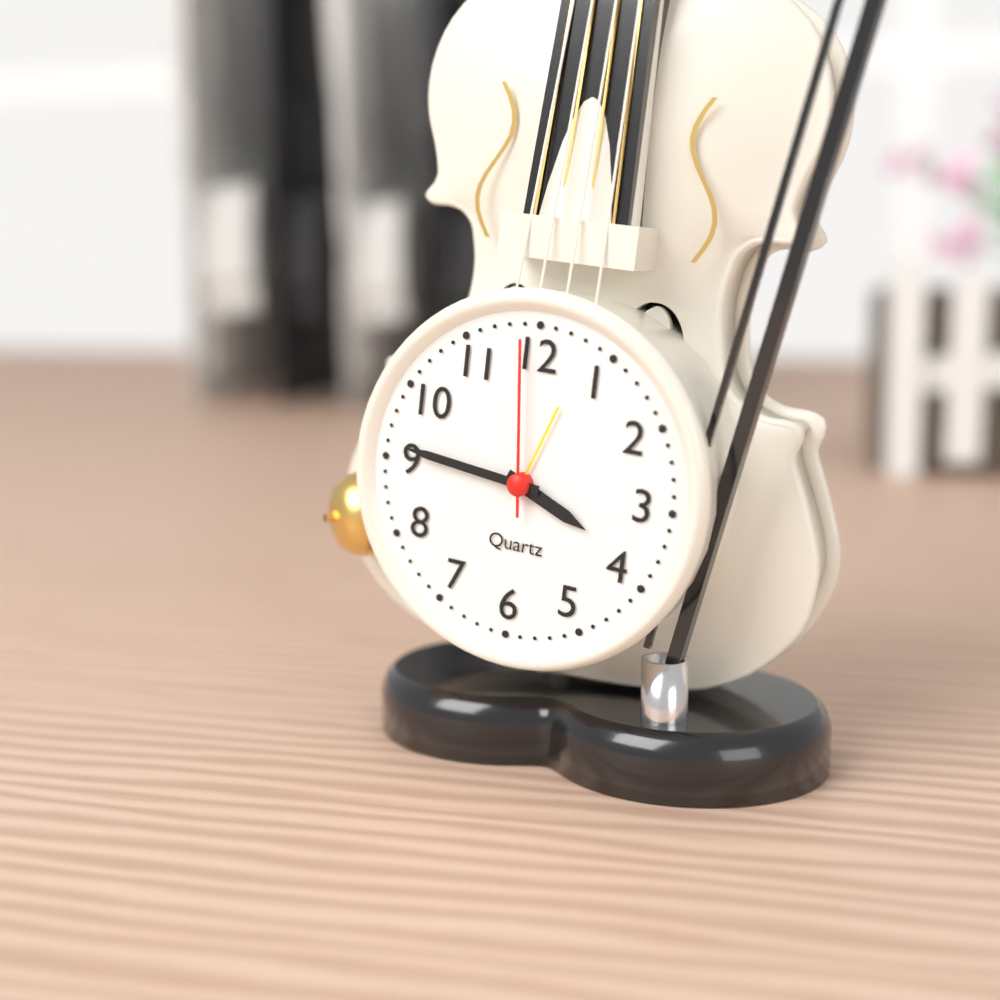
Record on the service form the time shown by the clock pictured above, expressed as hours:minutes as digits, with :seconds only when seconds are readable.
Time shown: 3:46:59
